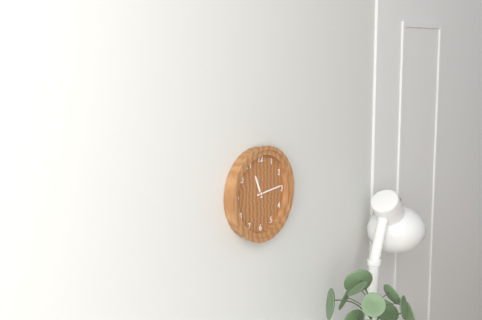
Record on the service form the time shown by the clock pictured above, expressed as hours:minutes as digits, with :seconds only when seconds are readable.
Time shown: 11:14
